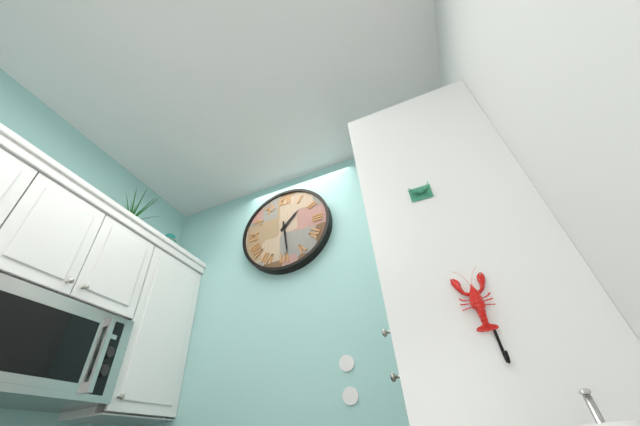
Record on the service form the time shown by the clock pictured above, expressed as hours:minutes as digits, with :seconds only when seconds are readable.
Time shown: 1:29
